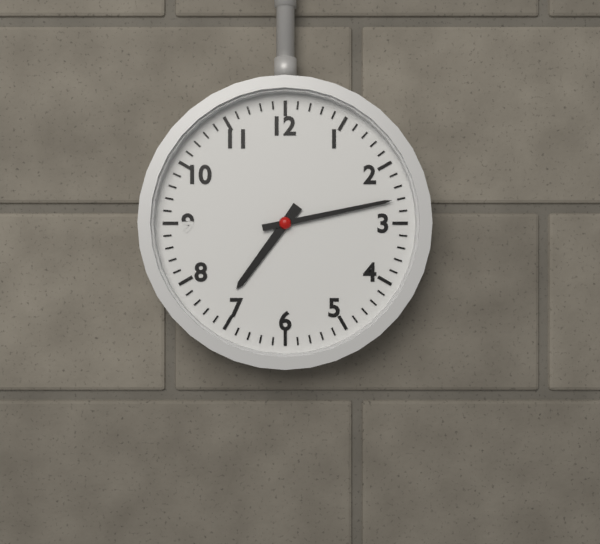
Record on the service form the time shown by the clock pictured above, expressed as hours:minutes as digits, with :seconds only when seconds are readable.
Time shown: 7:13
